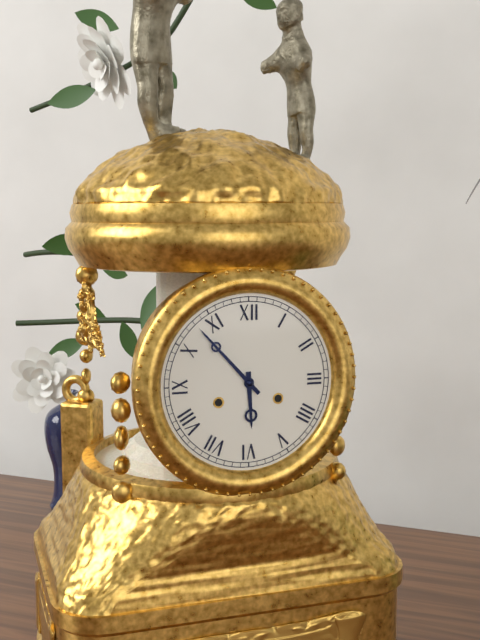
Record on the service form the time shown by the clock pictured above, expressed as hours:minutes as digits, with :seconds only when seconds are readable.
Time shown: 5:53
